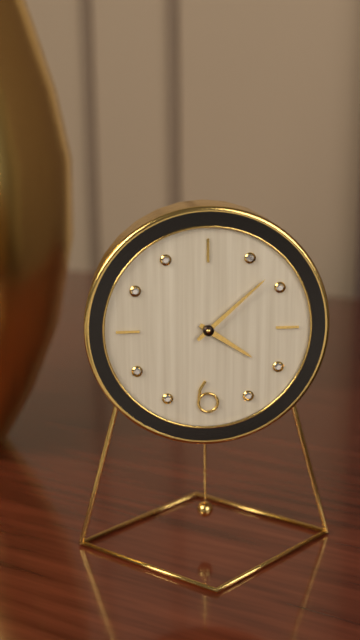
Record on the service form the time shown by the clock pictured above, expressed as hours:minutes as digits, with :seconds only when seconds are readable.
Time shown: 4:08
